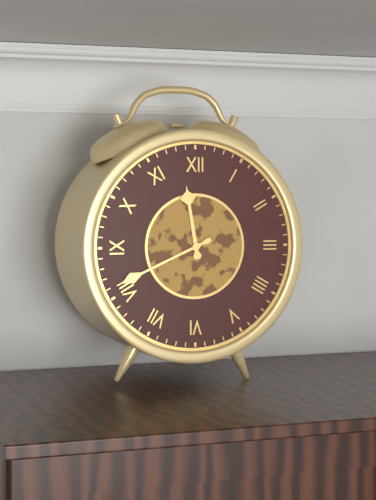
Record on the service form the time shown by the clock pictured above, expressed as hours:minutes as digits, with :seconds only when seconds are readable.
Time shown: 11:41
